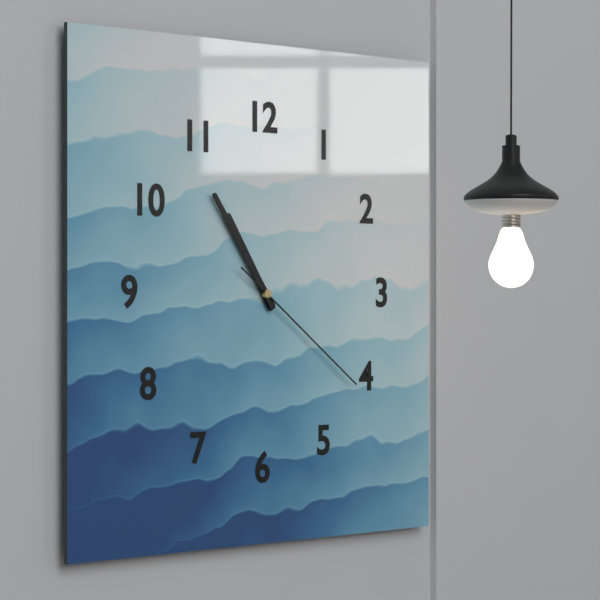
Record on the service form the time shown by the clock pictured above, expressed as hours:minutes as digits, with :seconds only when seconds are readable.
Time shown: 10:54:21
